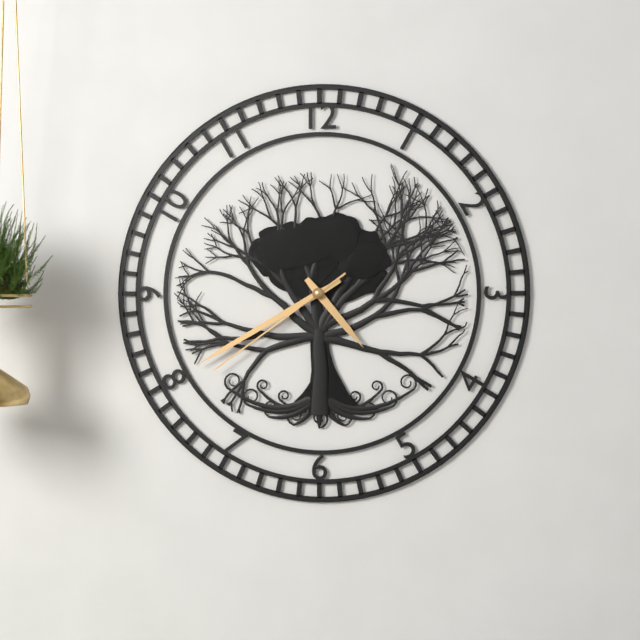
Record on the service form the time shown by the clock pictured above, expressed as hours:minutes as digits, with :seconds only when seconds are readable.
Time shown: 4:40:39
